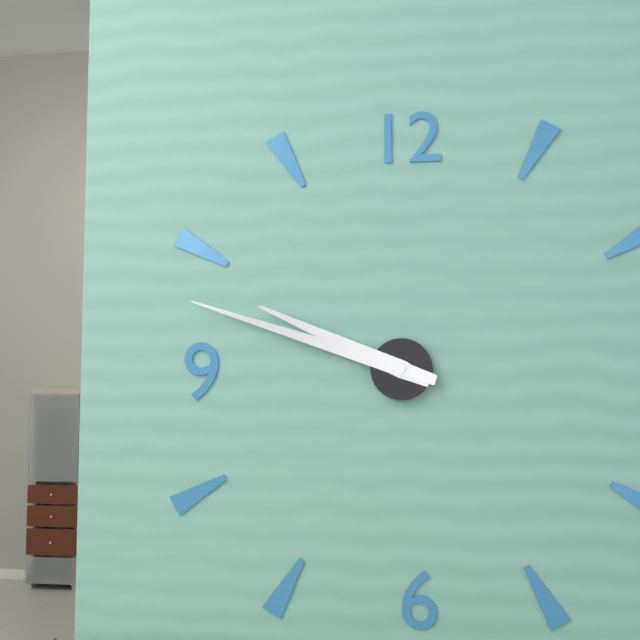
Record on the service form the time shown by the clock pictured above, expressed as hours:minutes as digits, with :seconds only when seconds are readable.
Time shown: 9:48
